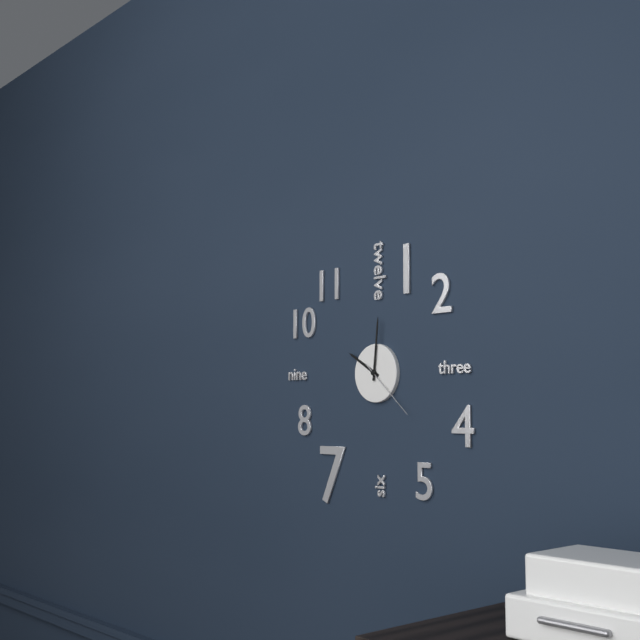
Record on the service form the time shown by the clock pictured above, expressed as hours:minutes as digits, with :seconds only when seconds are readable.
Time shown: 10:01:22
